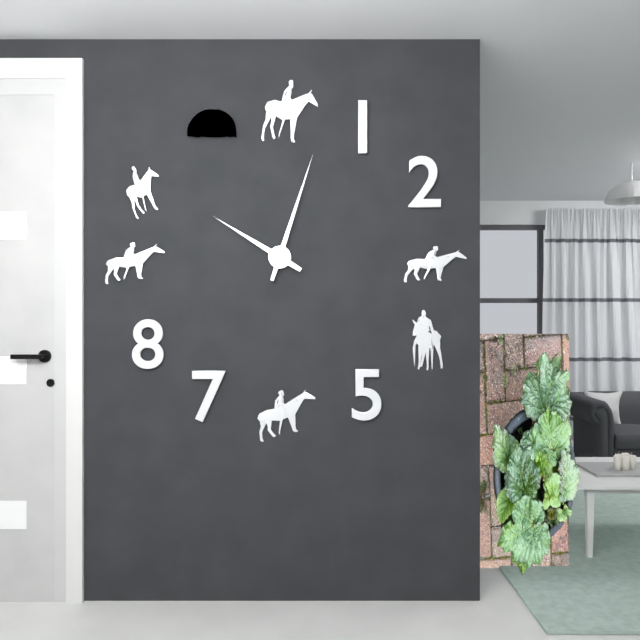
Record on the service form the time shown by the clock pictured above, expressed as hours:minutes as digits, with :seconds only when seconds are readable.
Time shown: 10:03
